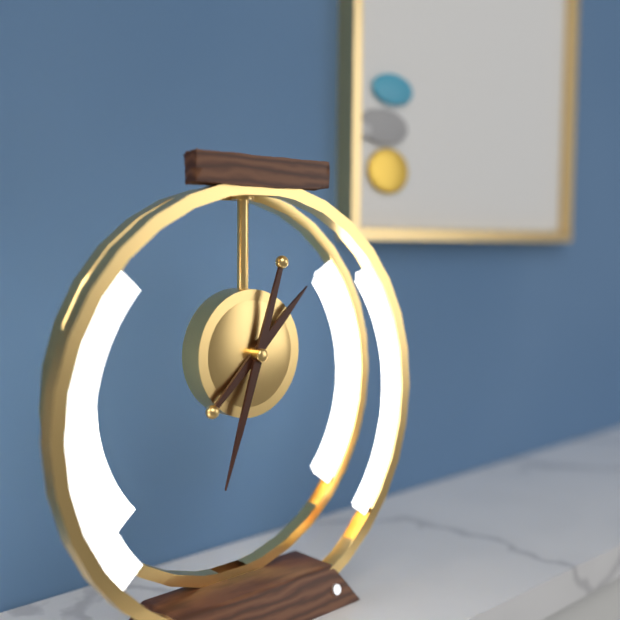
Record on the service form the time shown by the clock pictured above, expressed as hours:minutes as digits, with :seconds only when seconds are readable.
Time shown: 1:33
